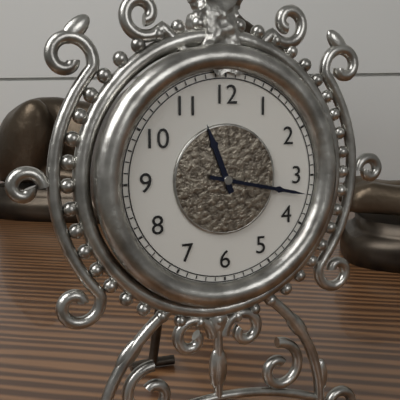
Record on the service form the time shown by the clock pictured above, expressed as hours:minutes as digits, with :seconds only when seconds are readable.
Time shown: 11:17
